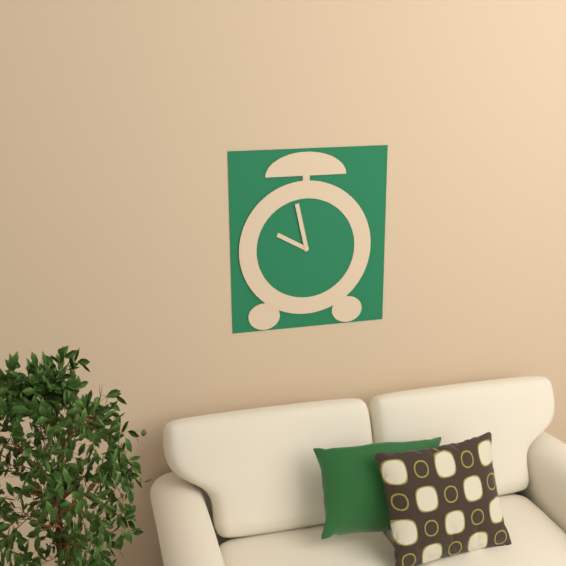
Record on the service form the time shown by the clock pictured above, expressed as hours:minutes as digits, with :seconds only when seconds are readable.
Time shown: 9:58
